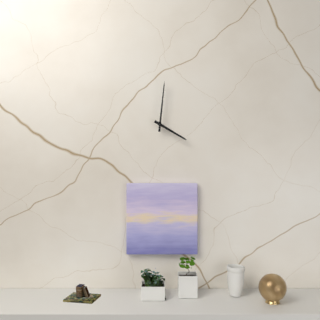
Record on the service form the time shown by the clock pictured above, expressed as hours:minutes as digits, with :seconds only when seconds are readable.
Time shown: 4:01
